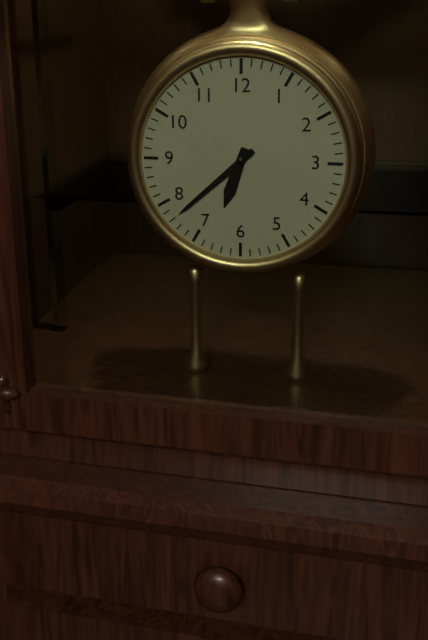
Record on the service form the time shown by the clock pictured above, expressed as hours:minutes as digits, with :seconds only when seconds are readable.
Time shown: 6:38
